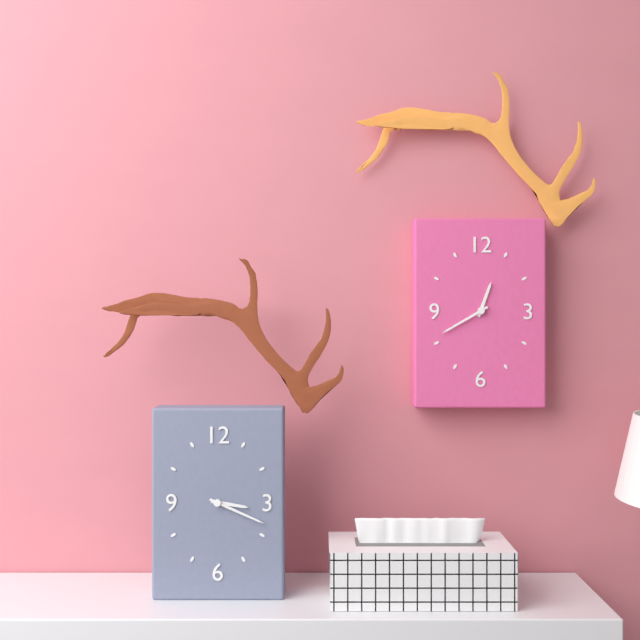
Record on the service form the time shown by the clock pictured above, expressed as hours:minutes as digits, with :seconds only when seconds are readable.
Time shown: 3:19
